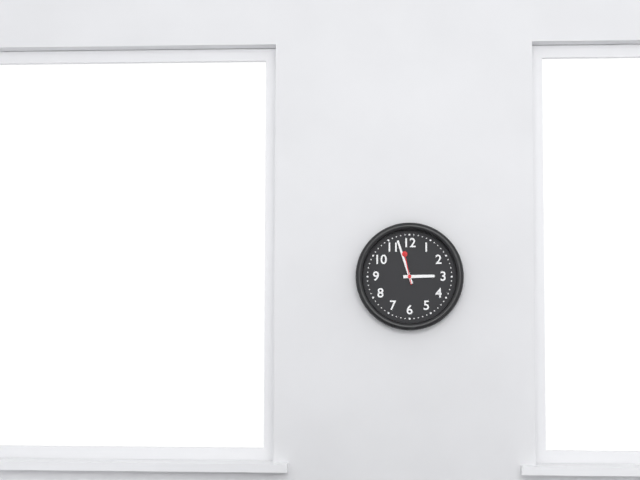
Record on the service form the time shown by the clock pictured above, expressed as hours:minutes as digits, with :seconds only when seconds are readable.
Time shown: 2:57
